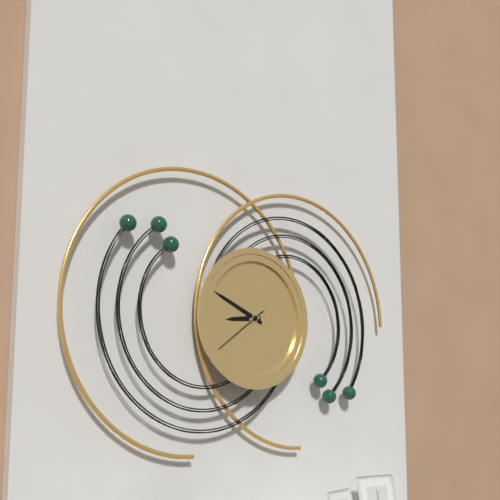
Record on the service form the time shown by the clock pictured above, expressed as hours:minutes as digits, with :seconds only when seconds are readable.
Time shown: 8:49:39
